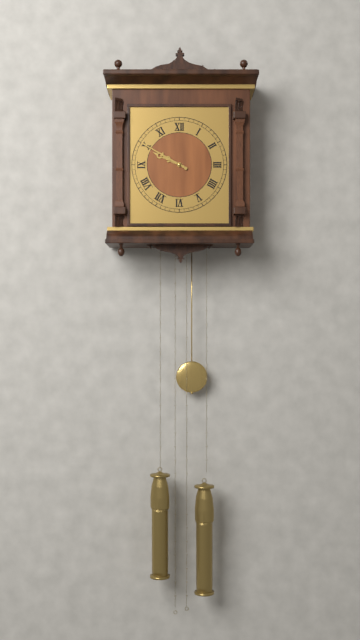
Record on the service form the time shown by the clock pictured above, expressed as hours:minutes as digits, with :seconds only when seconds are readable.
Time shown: 9:50
